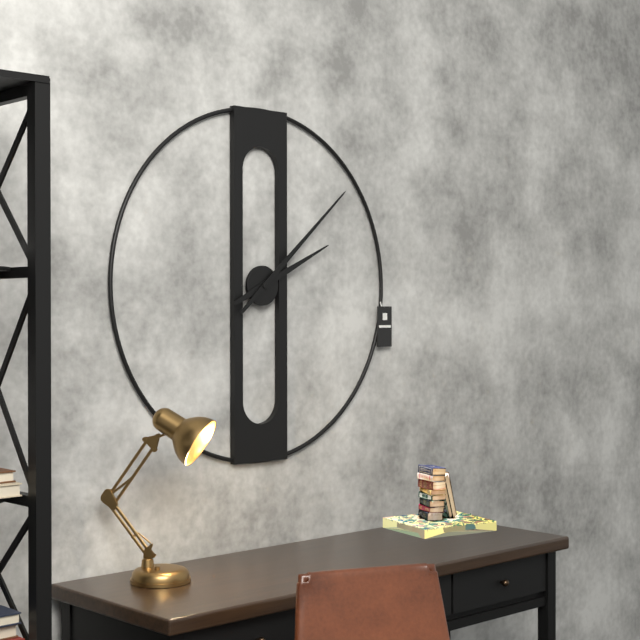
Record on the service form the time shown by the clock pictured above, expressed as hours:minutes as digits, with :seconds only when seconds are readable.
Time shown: 2:08
